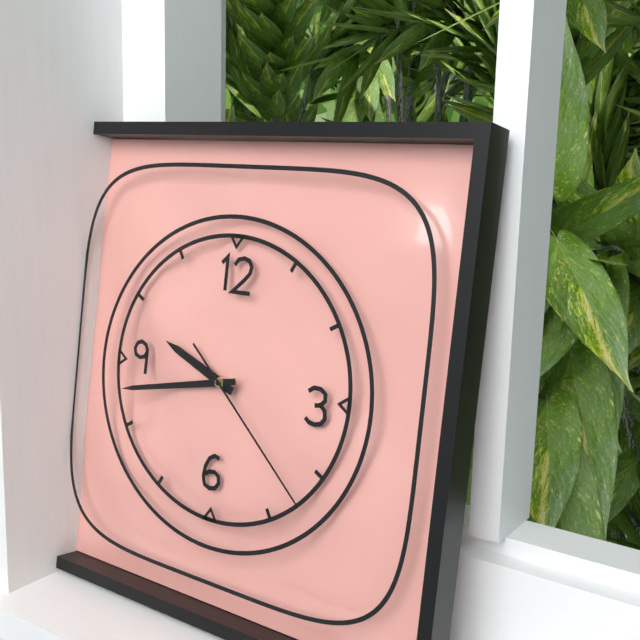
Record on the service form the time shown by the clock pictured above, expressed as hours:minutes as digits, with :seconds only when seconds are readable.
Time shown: 9:43:22
